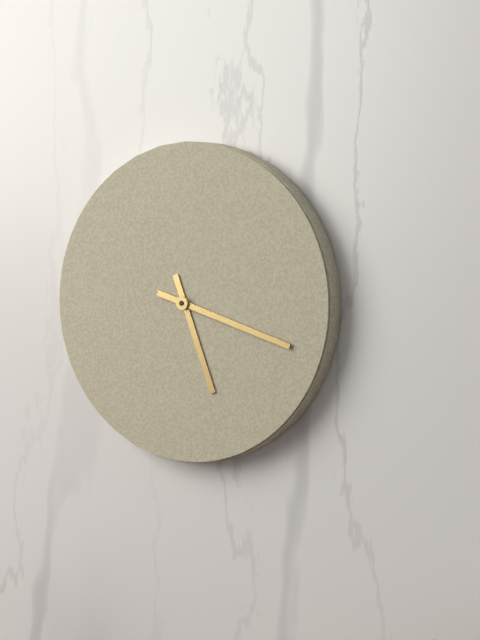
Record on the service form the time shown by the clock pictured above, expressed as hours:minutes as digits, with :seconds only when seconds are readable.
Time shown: 5:18
